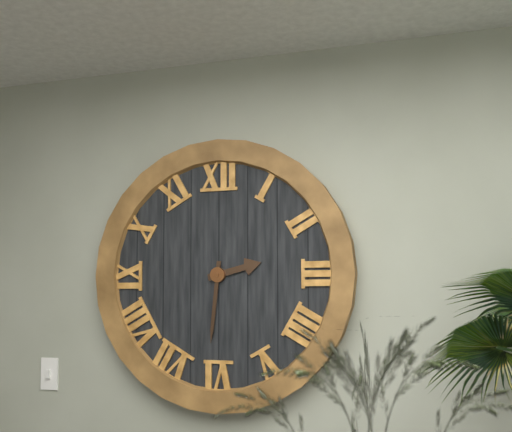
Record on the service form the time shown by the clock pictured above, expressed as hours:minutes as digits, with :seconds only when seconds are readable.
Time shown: 2:31
